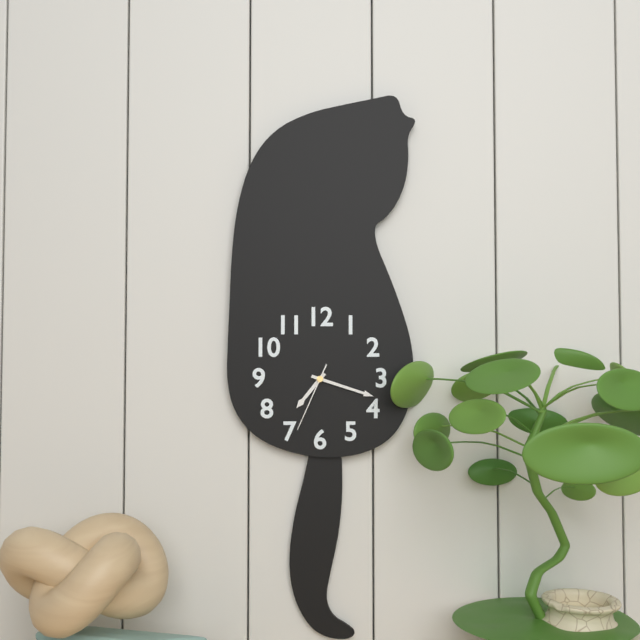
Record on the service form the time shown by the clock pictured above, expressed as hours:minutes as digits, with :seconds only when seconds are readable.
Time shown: 7:18:34
